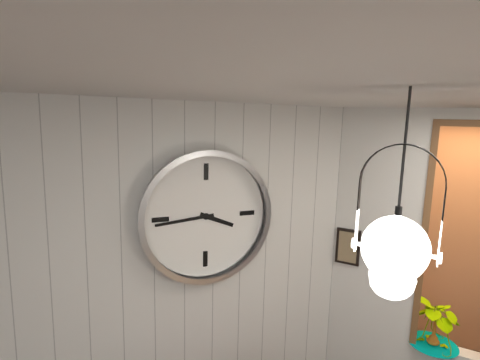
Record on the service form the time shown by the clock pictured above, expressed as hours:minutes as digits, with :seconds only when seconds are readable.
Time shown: 3:44
